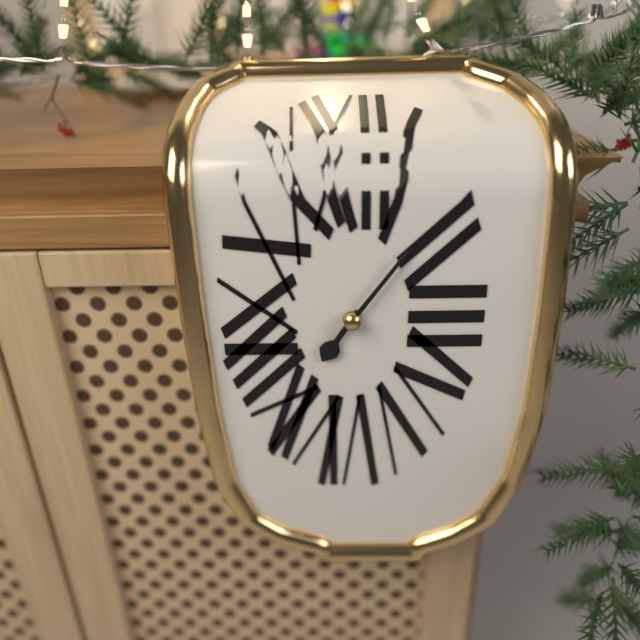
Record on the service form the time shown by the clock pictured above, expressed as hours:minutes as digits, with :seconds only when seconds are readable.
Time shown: 7:06
